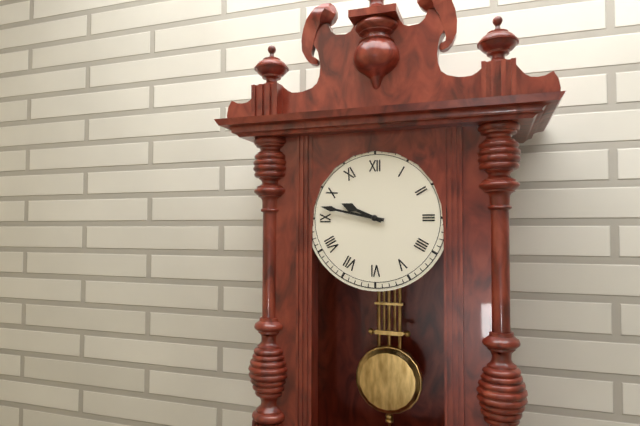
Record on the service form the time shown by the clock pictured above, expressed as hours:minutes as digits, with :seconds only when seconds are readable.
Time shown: 9:47
